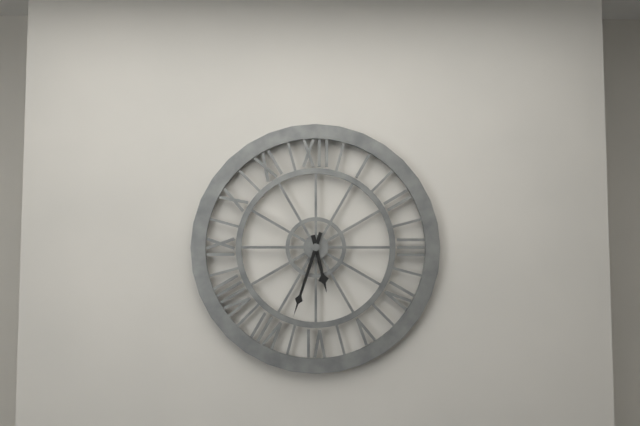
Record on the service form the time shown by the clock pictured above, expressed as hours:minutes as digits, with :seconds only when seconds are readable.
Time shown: 5:33
